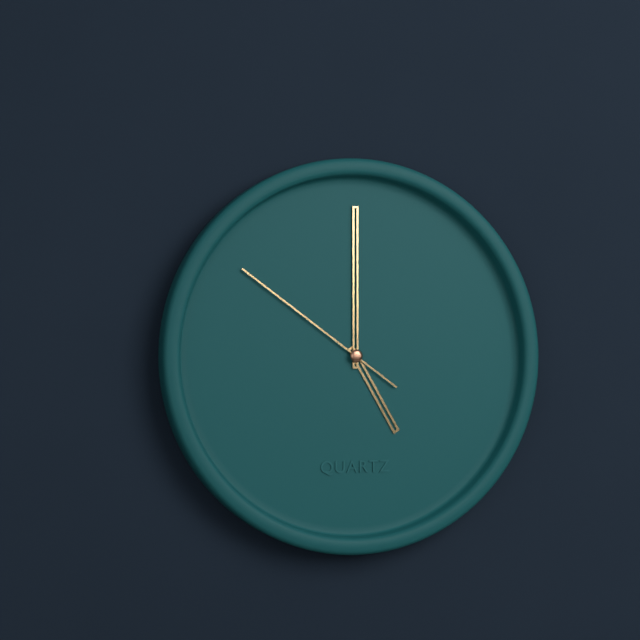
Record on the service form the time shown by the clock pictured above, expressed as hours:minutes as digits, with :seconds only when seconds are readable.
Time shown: 5:00:51
